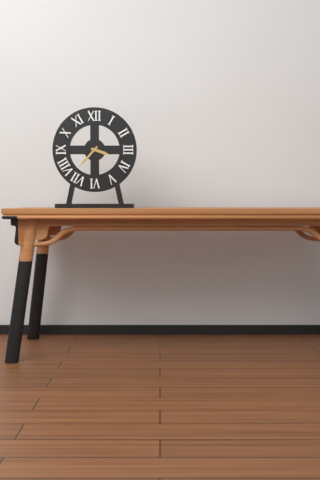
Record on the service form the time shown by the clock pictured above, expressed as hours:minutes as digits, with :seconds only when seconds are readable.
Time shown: 3:37
